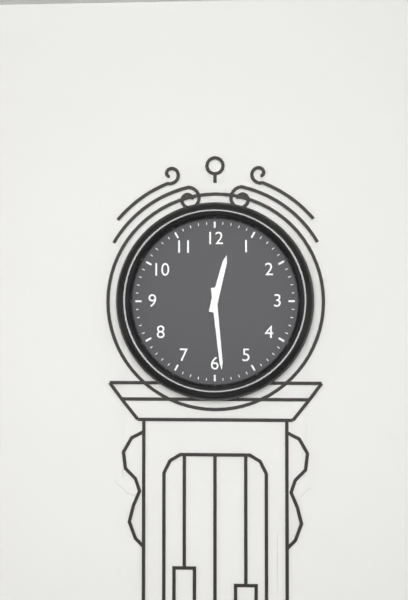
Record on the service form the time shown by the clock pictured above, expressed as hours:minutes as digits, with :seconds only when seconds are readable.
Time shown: 12:29
